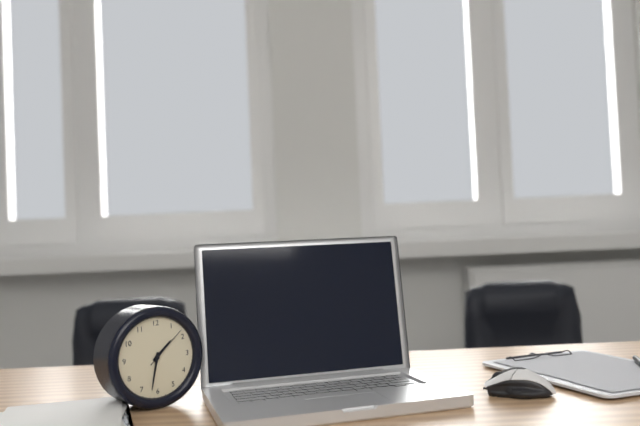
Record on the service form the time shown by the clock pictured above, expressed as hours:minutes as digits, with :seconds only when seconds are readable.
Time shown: 1:32
